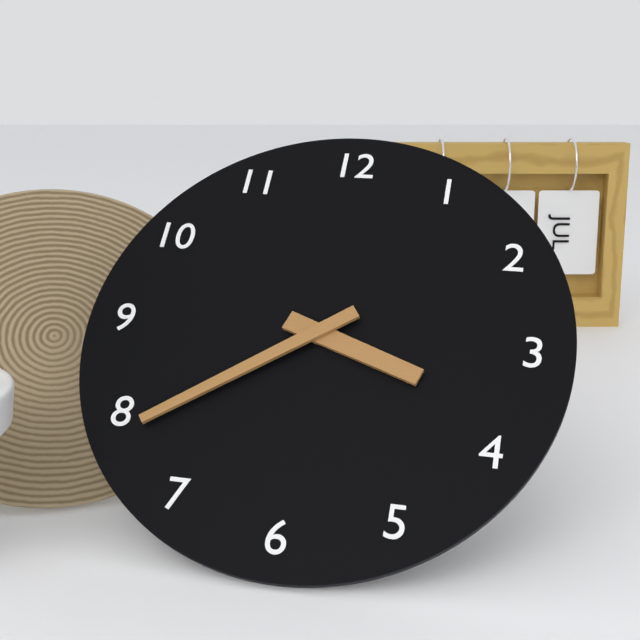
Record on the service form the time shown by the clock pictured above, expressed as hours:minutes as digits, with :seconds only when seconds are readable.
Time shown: 3:39
